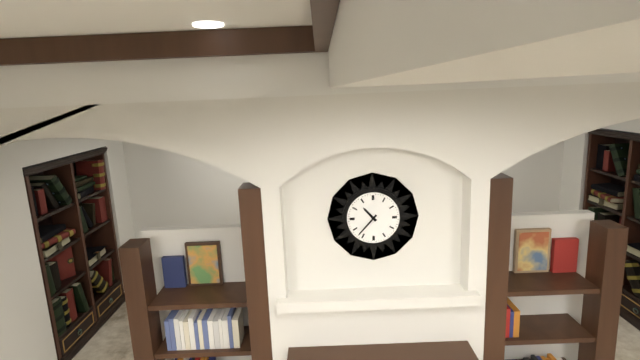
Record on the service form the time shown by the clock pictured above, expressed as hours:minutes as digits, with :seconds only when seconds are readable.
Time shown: 10:37
